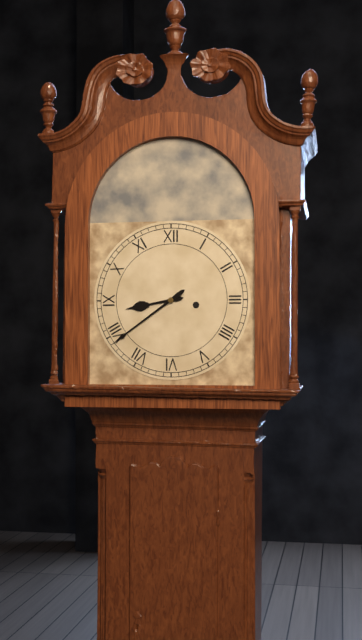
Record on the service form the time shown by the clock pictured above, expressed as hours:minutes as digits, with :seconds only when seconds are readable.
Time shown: 8:39
